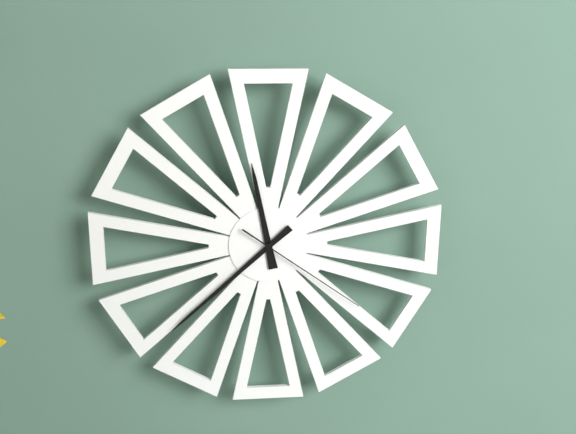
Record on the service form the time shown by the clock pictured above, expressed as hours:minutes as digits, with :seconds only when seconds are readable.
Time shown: 11:38:21
